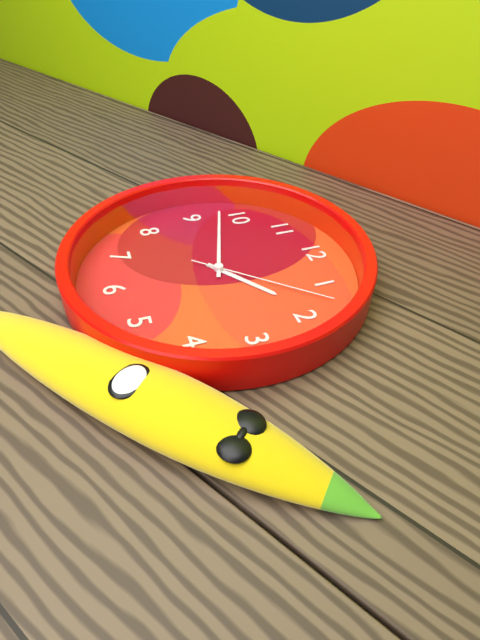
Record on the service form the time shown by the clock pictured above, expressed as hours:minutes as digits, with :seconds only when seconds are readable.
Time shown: 1:48:07
